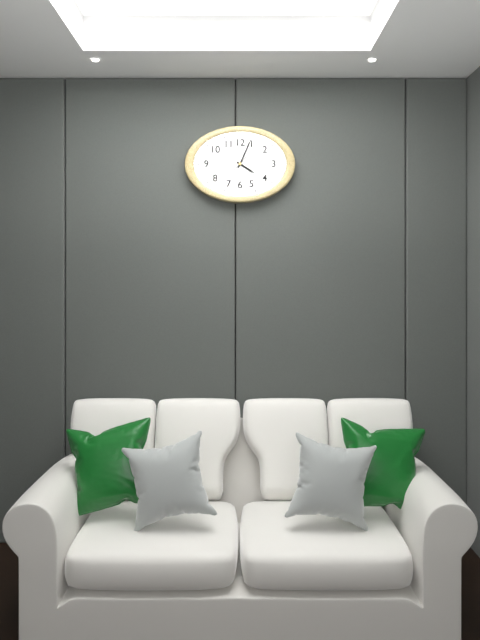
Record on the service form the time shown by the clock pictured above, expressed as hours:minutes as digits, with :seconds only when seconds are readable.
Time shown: 4:04
